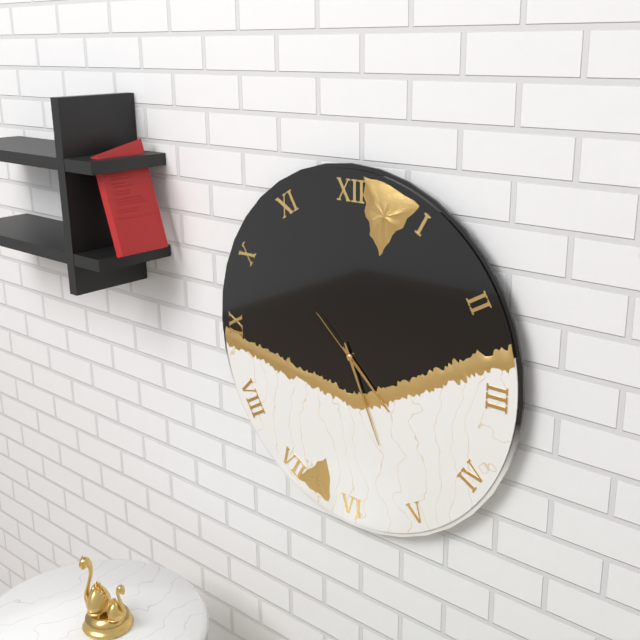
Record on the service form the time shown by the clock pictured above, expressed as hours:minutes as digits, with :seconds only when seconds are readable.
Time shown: 4:26:52
